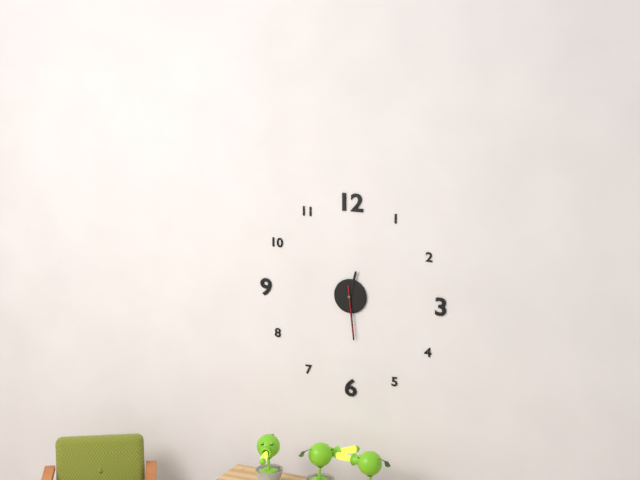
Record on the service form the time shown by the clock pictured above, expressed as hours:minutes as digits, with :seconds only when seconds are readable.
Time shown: 12:29
